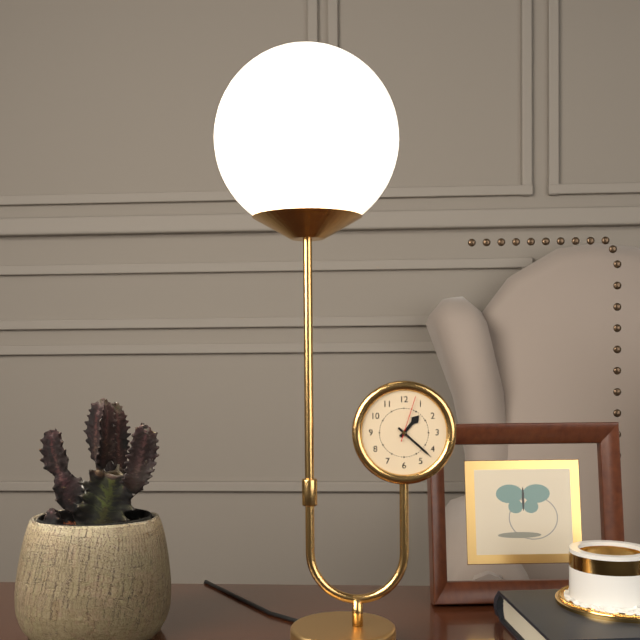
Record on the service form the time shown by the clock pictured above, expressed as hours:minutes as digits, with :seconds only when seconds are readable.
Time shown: 1:22
